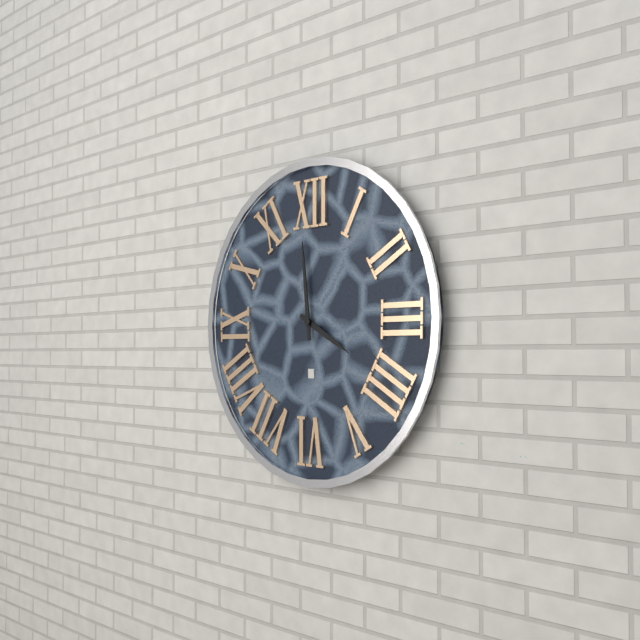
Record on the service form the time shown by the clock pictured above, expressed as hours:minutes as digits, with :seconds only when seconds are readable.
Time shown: 3:59
